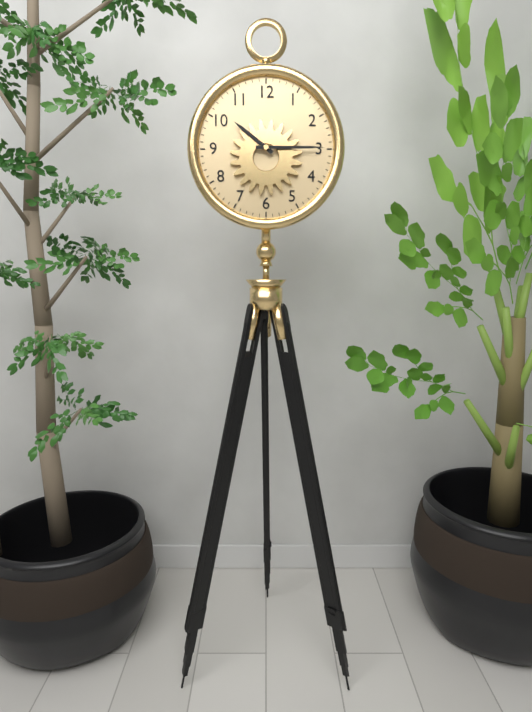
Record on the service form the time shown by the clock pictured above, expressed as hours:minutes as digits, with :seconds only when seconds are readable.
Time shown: 10:15
